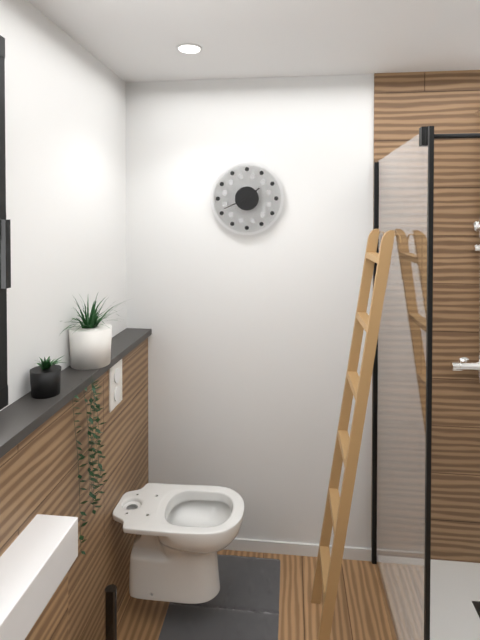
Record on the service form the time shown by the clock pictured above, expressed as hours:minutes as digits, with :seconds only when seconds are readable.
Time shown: 1:41
